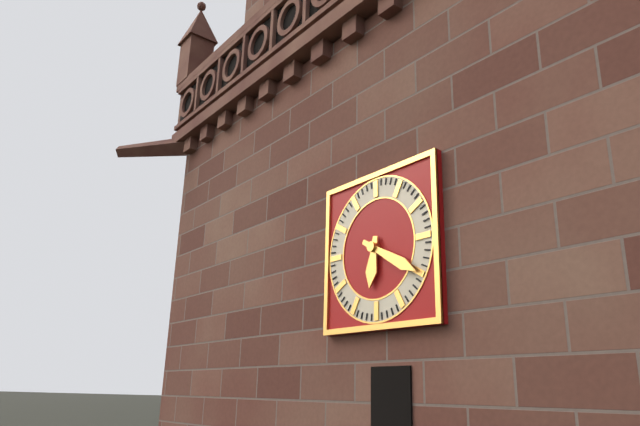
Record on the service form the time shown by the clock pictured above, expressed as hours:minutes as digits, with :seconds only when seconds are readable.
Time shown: 6:20
